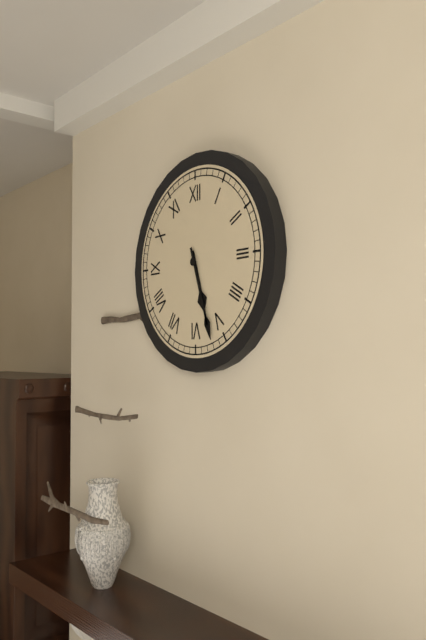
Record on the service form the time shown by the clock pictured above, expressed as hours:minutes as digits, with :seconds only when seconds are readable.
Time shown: 5:27
